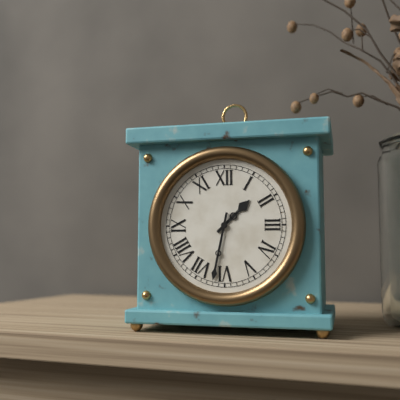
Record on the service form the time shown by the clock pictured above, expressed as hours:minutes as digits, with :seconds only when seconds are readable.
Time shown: 1:32
